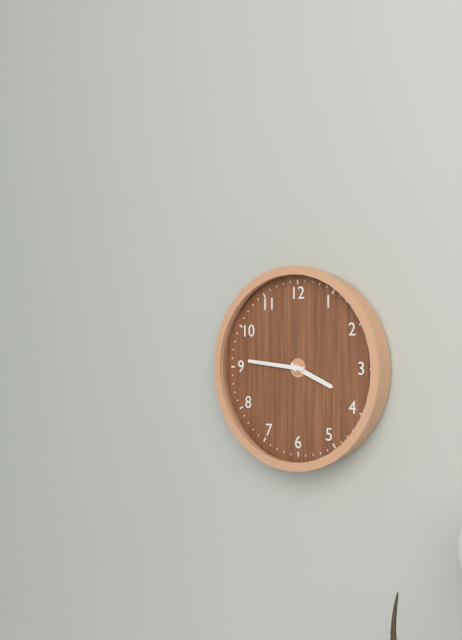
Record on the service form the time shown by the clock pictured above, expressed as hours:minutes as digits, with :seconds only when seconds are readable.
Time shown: 3:46
